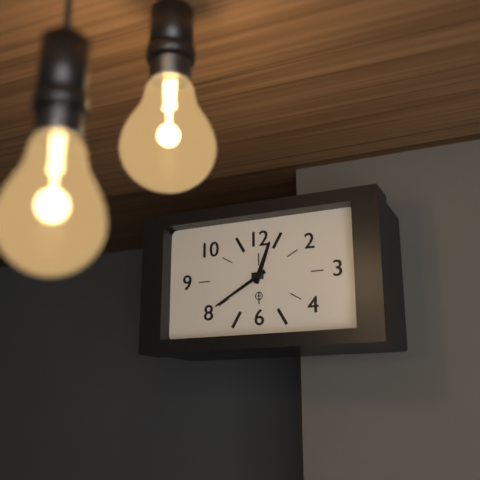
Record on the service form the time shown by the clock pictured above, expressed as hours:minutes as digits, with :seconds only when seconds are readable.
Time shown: 12:40
